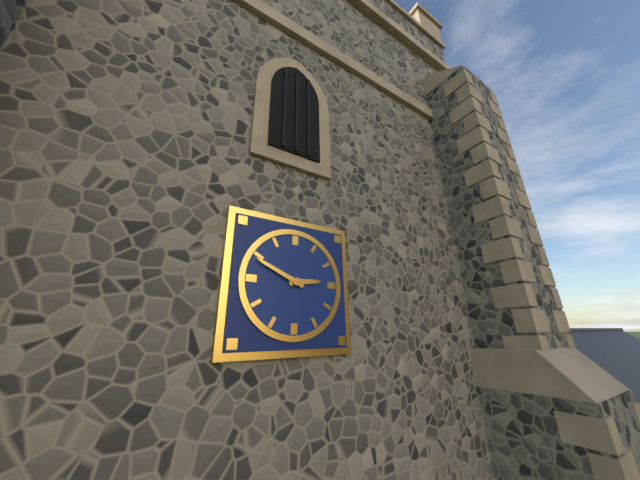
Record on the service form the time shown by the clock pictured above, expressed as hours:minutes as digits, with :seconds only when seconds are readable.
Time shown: 2:49
